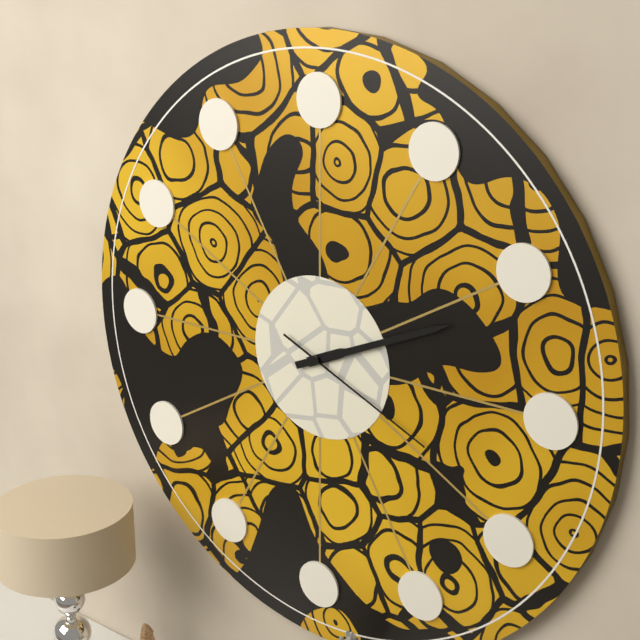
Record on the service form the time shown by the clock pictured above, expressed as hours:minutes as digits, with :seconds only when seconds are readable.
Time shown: 2:11:19
